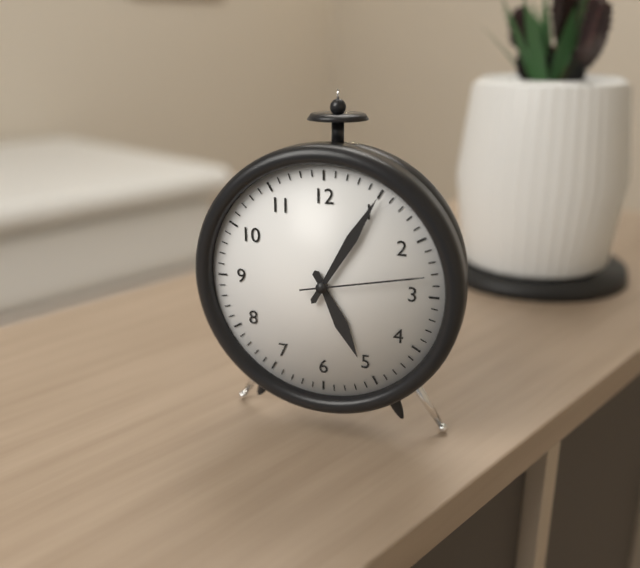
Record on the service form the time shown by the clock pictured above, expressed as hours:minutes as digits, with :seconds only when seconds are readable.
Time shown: 5:05:13
